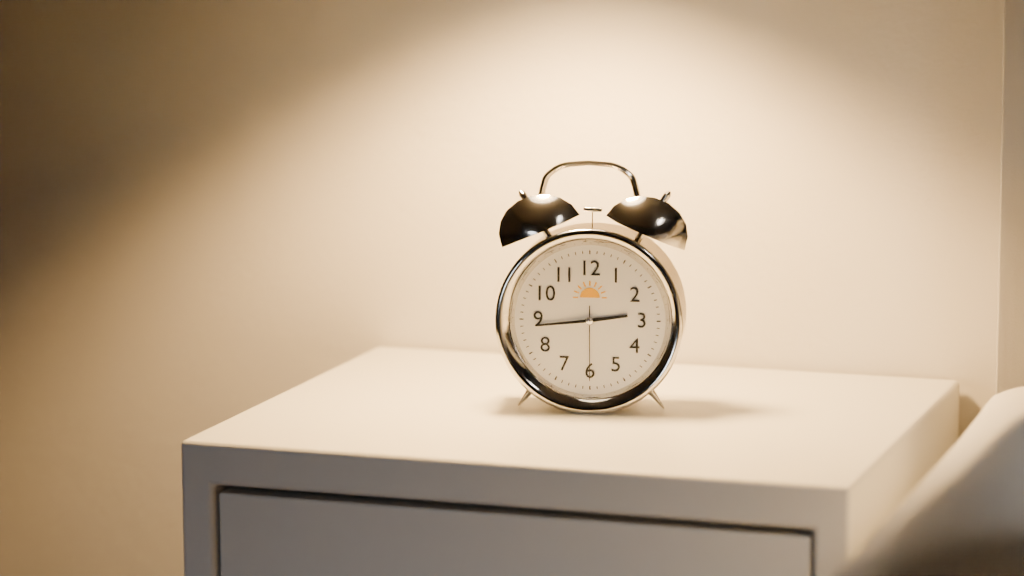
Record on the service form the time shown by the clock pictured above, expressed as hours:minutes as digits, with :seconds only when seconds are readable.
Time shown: 2:44:30
